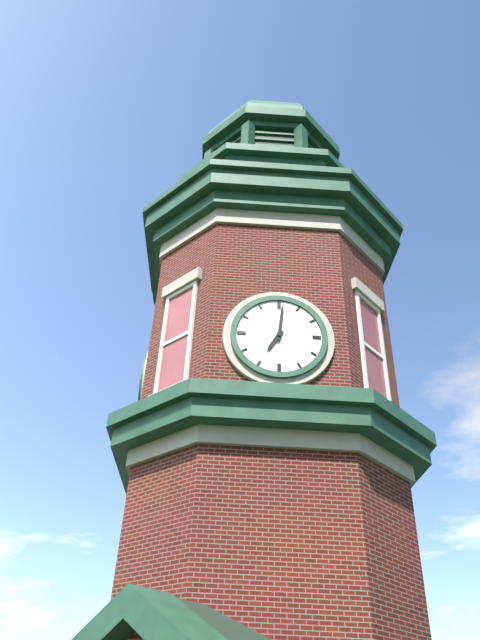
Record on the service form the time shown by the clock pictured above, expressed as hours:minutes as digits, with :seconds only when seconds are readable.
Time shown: 7:01
